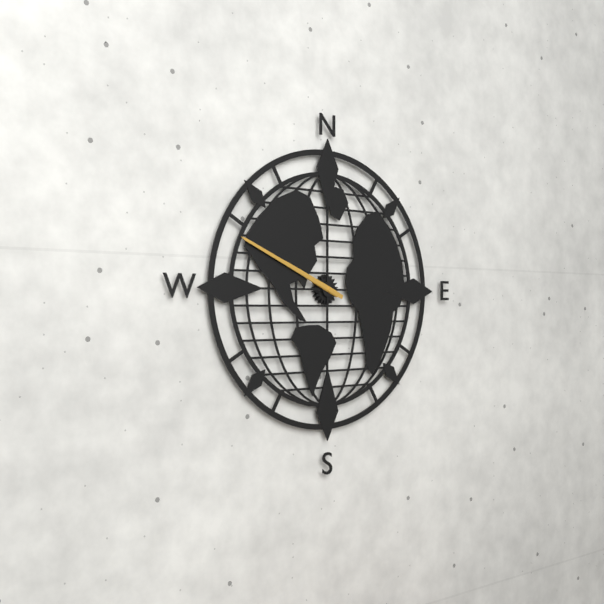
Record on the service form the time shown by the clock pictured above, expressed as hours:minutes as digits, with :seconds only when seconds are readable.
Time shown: 9:49
